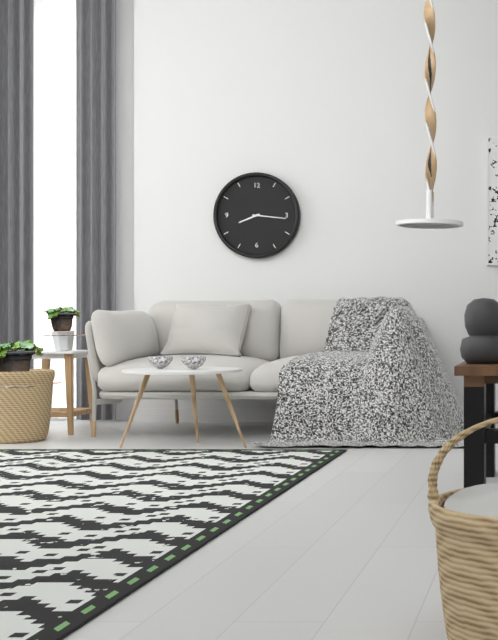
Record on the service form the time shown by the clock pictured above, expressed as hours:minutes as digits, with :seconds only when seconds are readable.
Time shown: 8:16
